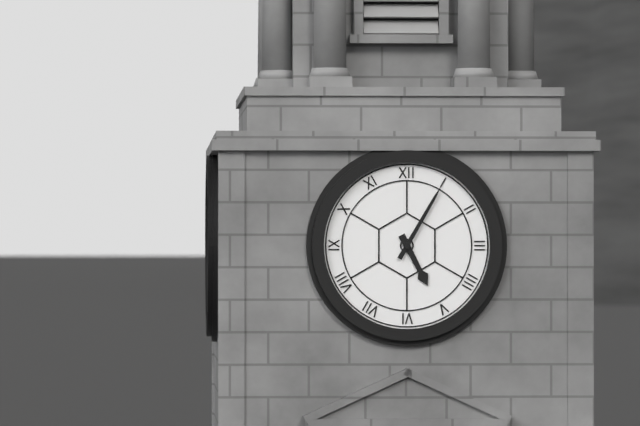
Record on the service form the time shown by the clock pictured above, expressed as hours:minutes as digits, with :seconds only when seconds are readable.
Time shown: 5:05
